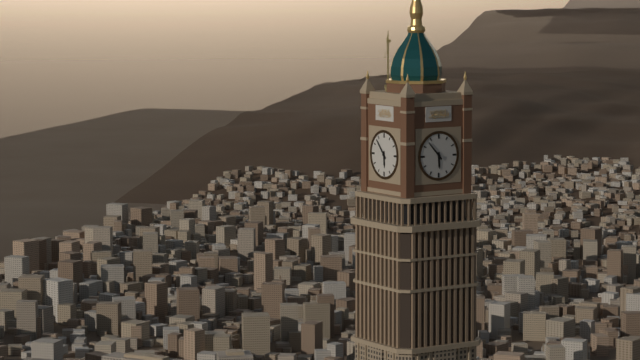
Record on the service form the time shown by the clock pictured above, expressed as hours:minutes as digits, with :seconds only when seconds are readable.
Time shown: 5:53
